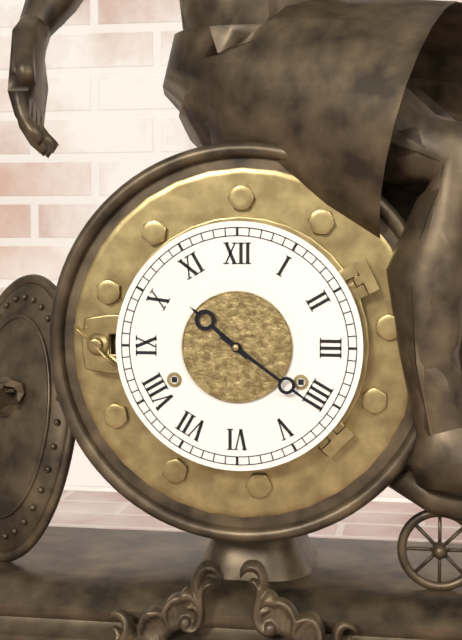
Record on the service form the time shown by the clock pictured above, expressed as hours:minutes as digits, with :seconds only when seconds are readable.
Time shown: 10:21
